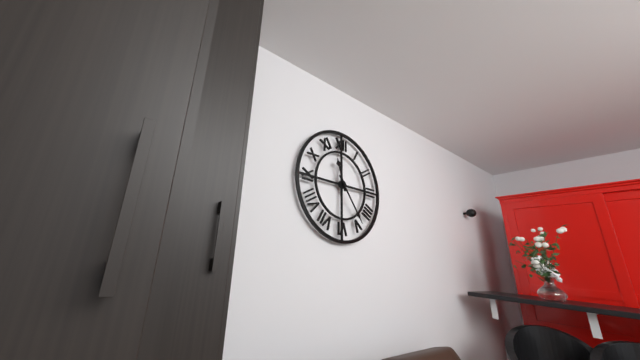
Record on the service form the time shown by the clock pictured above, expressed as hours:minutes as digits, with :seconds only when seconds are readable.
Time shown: 11:24
